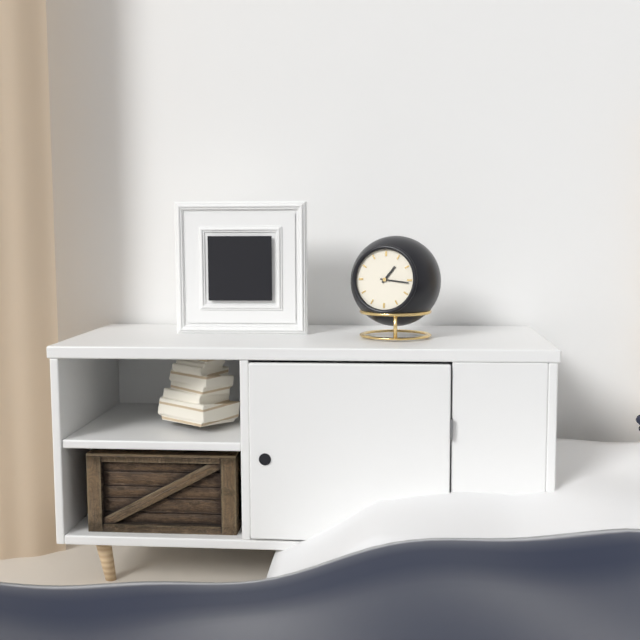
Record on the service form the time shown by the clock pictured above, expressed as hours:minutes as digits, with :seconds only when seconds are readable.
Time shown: 1:16
